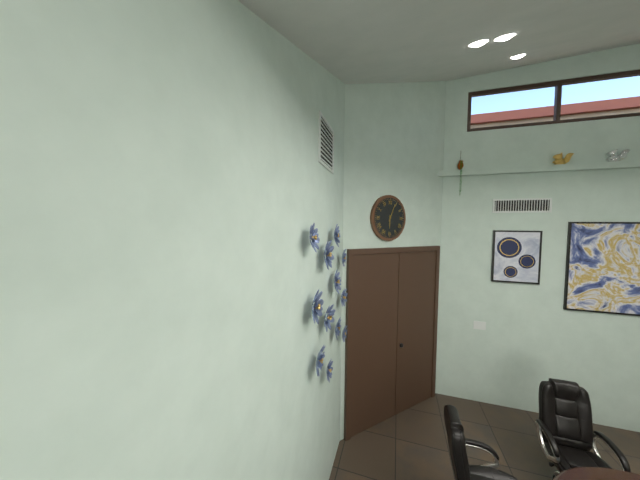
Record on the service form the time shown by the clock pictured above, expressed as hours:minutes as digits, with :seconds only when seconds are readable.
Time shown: 6:04
